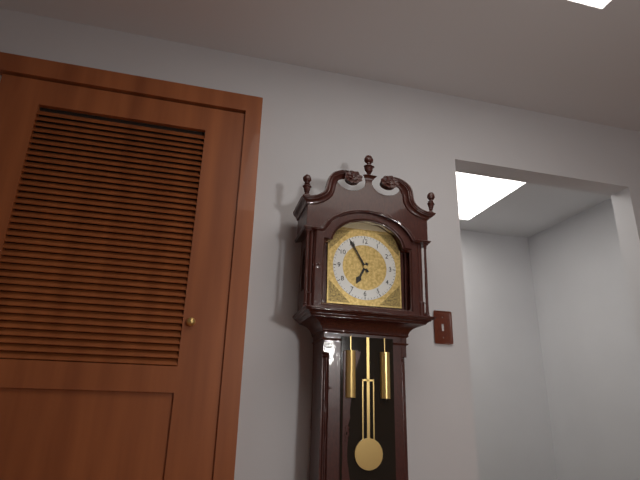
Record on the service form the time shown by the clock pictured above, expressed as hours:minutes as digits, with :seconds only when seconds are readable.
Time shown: 6:55
